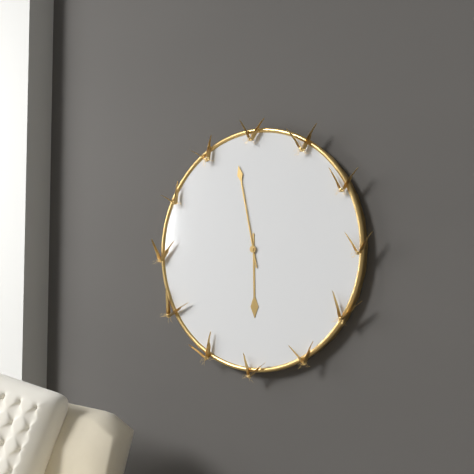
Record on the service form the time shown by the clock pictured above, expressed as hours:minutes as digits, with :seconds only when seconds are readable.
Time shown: 5:58
